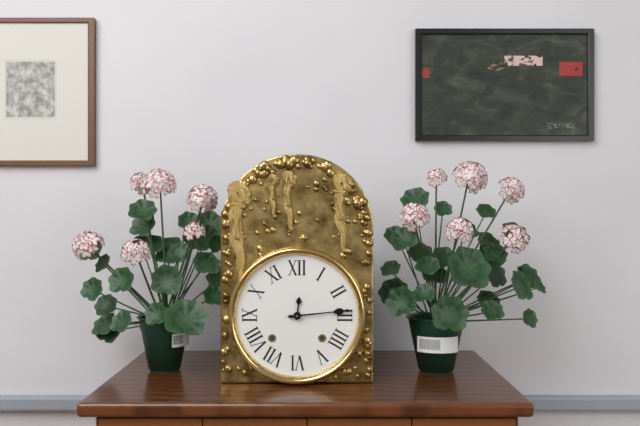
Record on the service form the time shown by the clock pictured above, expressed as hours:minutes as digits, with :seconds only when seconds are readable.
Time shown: 12:14
